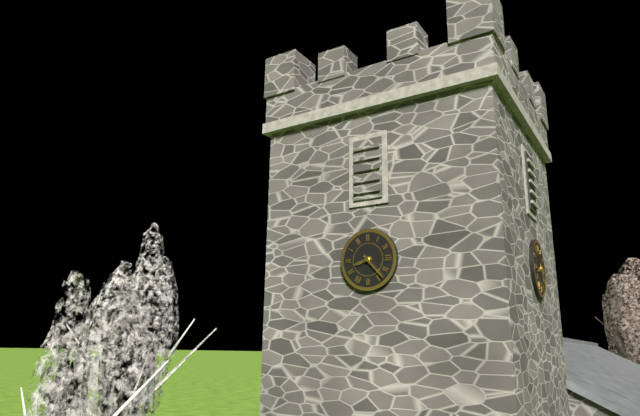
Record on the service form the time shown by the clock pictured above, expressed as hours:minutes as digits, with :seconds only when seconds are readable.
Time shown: 8:23
